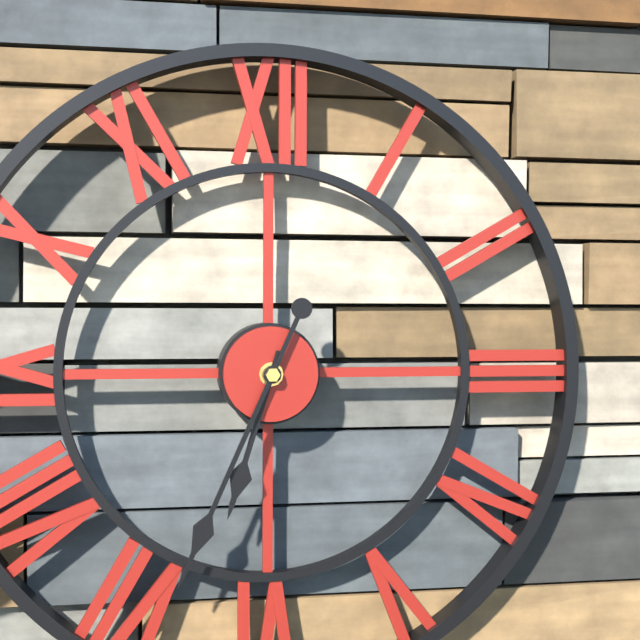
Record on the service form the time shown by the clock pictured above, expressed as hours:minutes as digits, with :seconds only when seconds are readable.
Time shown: 6:34
